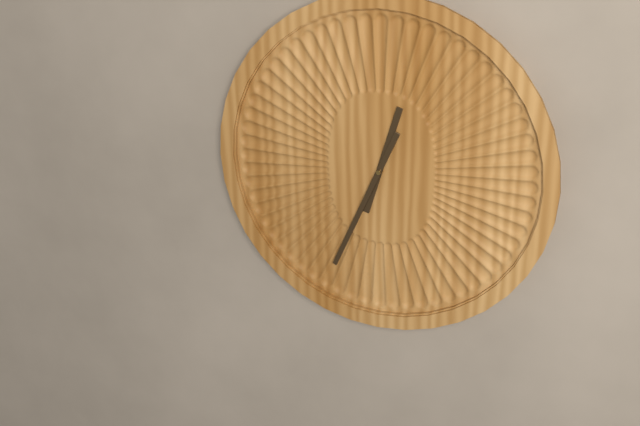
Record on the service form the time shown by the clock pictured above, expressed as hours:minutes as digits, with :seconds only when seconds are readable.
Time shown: 12:34
